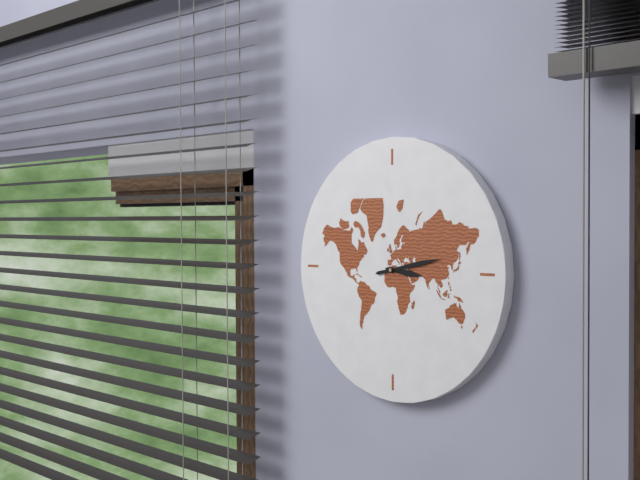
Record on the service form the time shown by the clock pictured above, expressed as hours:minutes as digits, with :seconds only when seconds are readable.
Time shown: 3:13
